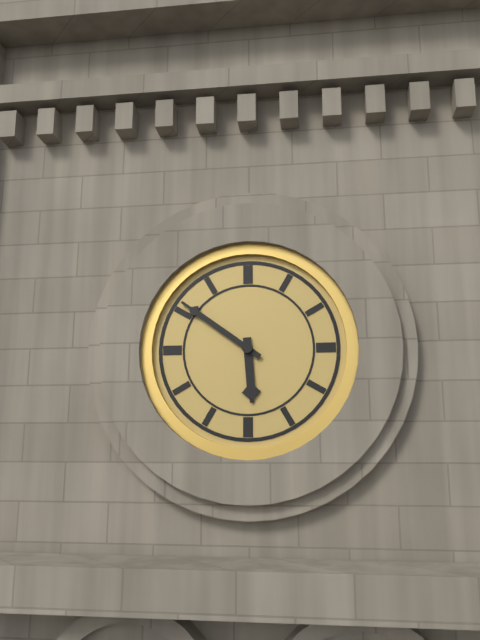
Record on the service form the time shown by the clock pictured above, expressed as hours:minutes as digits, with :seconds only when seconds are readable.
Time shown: 5:51
